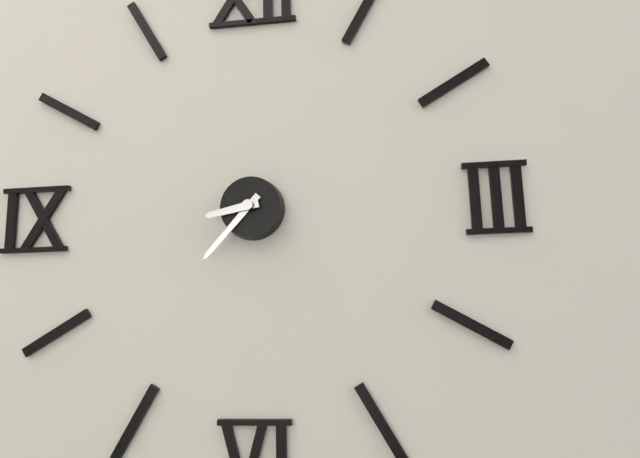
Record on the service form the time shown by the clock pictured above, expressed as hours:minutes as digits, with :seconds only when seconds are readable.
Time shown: 8:37
